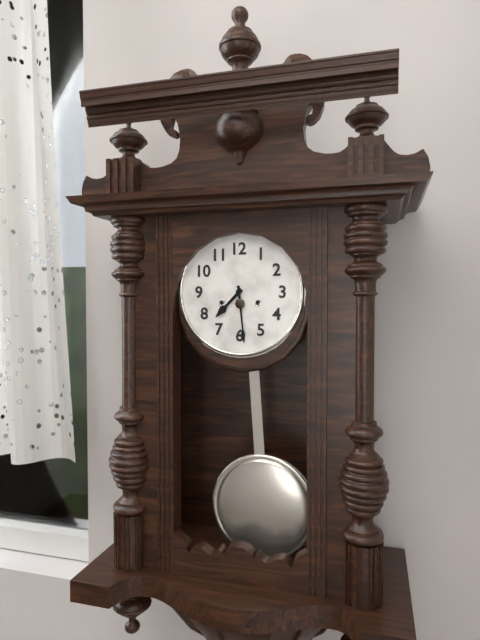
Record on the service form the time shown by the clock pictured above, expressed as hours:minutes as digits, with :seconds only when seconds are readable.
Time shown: 7:29
